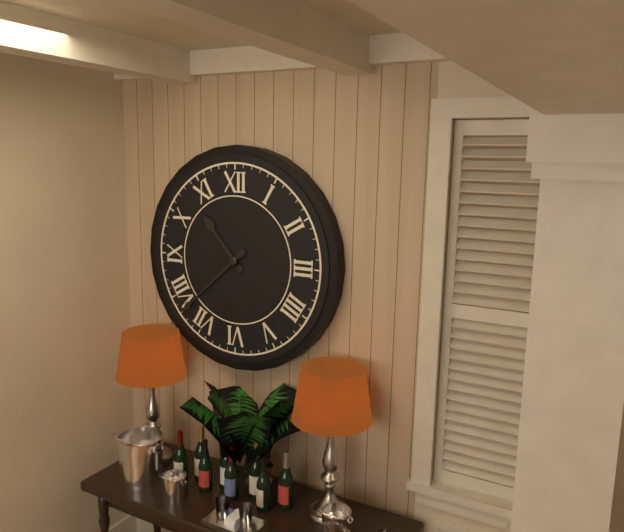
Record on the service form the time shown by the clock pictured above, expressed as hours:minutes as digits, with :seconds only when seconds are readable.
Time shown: 10:38
